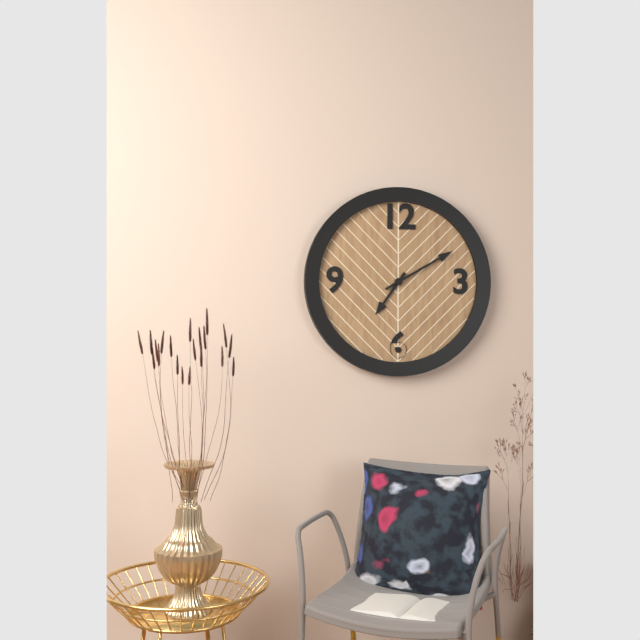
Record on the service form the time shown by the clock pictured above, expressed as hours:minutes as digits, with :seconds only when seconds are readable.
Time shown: 7:10
